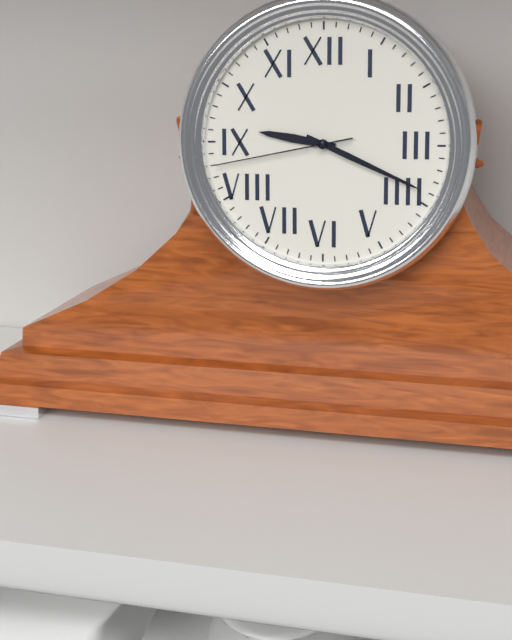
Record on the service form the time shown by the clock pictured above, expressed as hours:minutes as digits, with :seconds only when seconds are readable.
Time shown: 9:19:43
